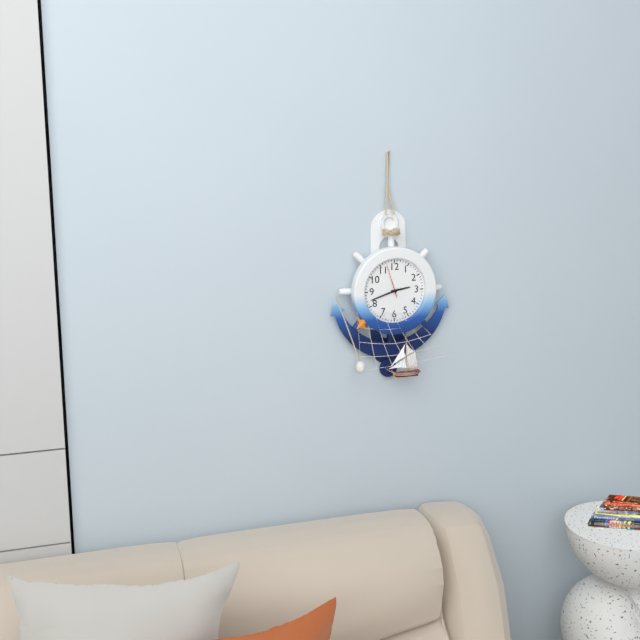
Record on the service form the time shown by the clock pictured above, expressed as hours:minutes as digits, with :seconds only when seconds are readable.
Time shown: 2:42
